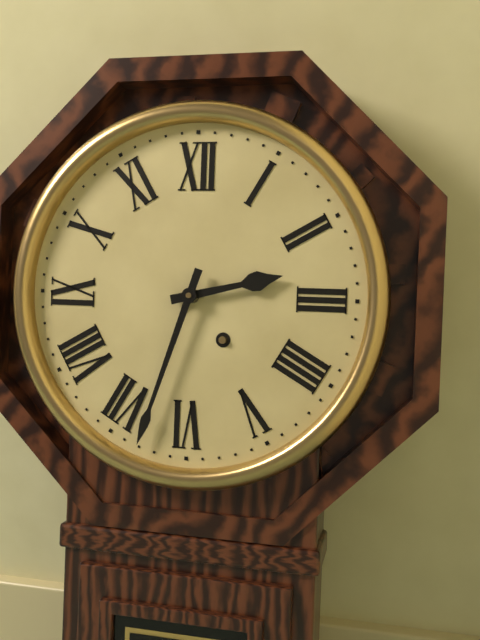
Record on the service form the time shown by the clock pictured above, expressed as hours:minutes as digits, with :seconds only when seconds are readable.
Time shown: 2:33
